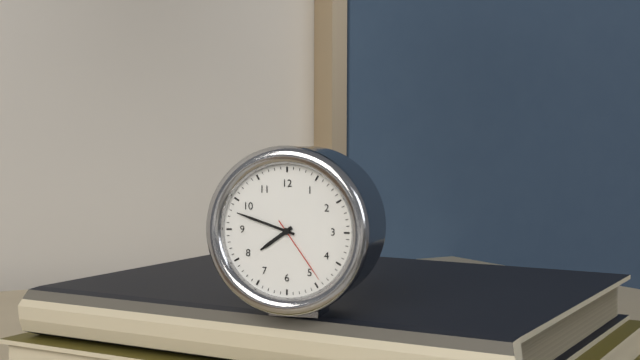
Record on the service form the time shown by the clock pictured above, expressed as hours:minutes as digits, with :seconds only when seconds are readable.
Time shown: 7:48:24
